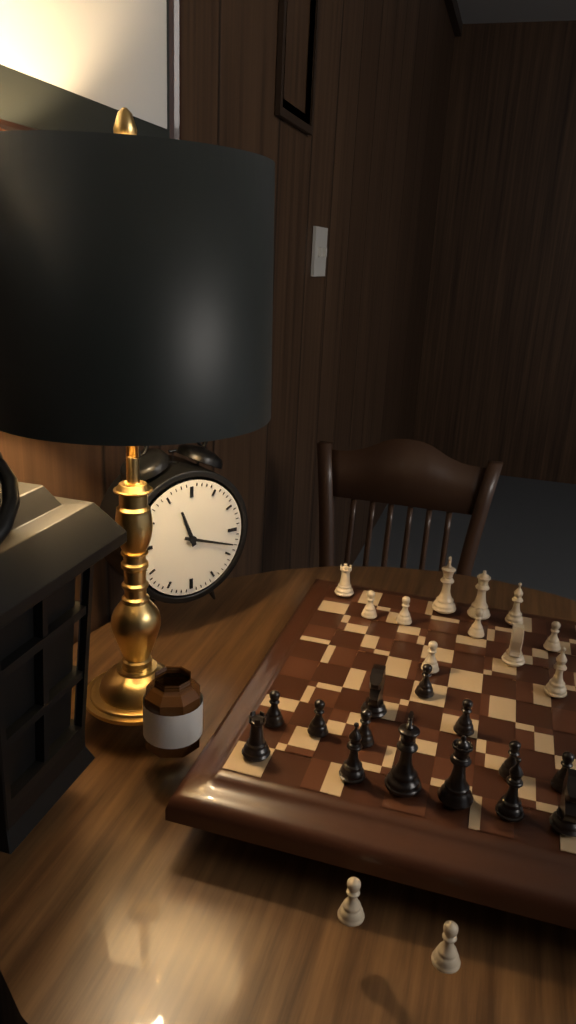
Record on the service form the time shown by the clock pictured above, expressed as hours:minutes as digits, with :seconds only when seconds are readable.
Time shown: 11:18
